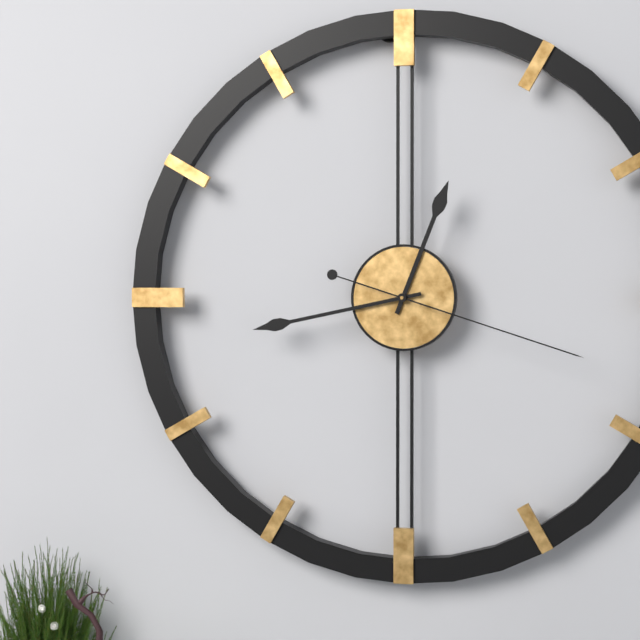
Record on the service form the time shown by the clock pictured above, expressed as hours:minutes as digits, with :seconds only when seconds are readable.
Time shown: 12:43:18
